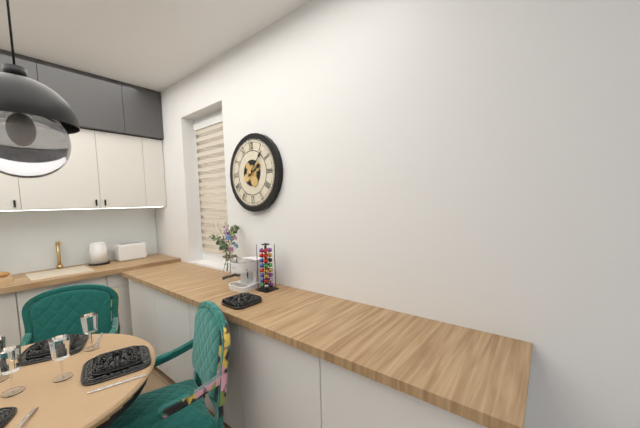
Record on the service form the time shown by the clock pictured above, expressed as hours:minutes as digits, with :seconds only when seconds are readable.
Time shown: 2:07
